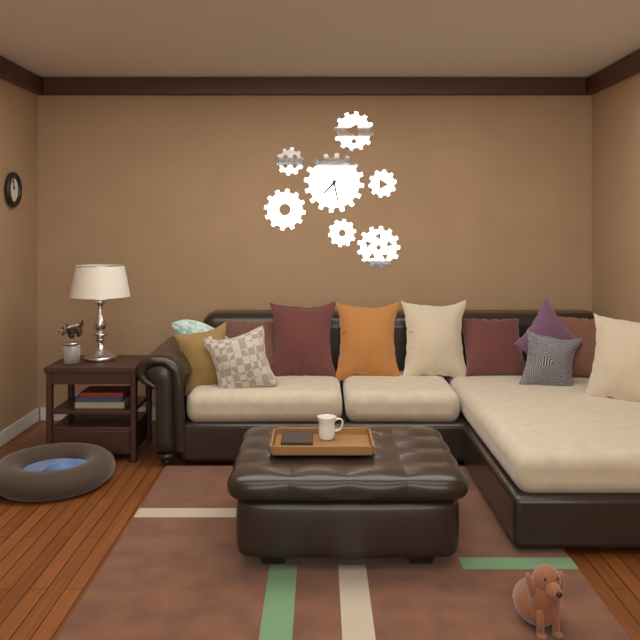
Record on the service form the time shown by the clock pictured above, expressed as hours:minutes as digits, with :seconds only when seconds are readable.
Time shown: 7:28
